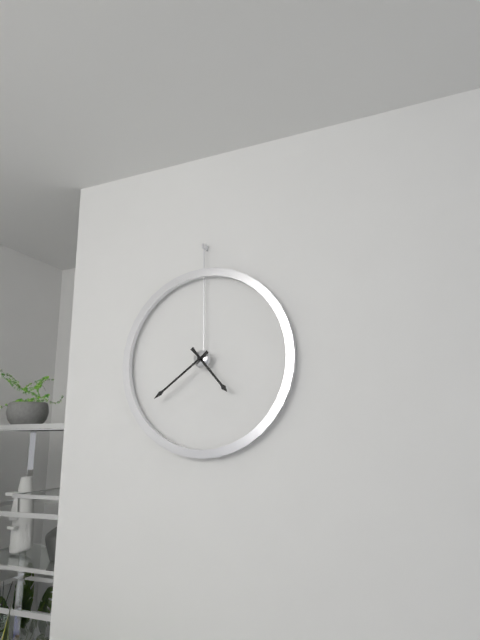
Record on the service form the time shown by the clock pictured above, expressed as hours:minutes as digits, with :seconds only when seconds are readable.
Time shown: 4:39
